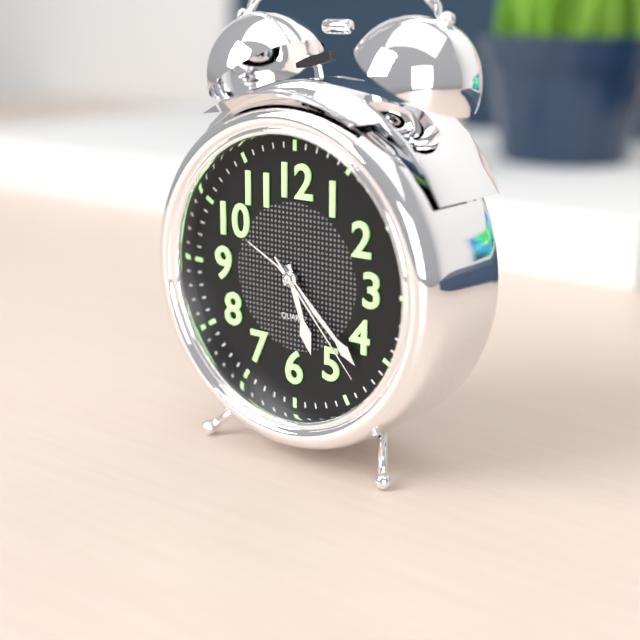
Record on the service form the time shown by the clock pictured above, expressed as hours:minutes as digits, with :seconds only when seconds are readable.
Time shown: 5:22:23
